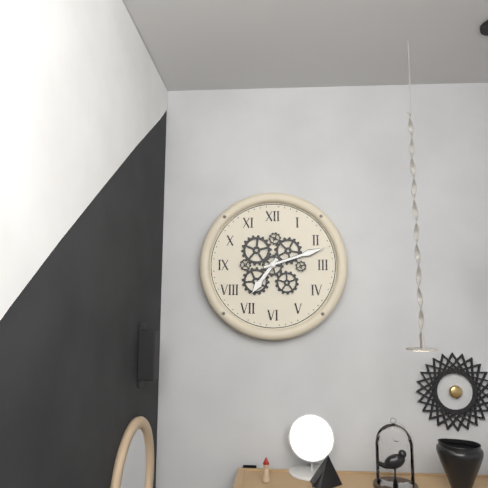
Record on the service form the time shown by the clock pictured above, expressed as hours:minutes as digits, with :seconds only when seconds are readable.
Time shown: 7:12
